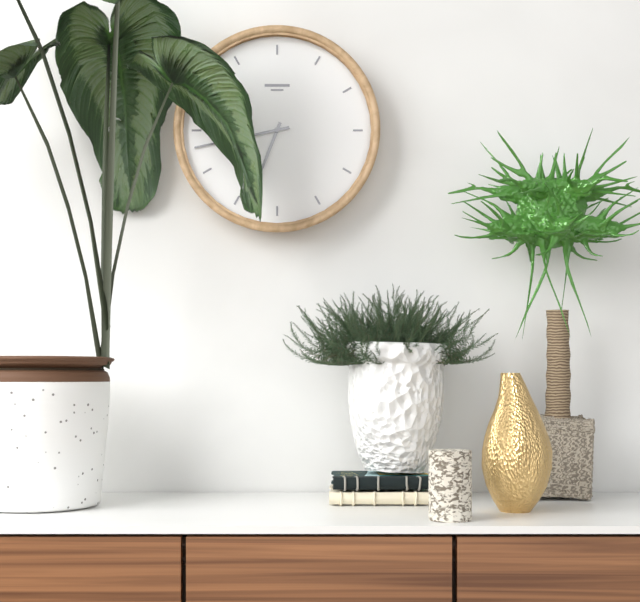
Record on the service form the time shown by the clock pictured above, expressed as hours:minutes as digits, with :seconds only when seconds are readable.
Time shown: 6:43
